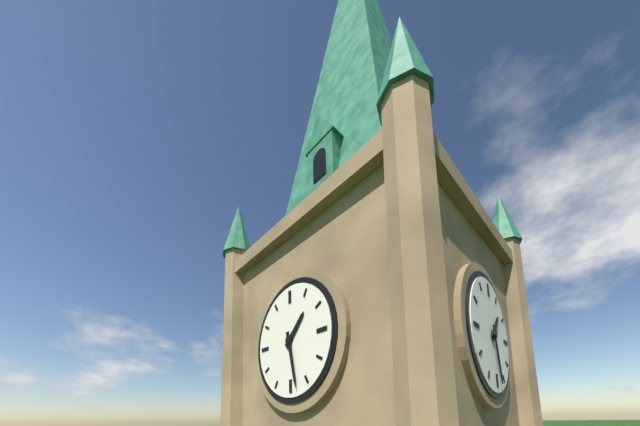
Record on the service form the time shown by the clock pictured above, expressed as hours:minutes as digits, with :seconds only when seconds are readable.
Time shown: 1:28
